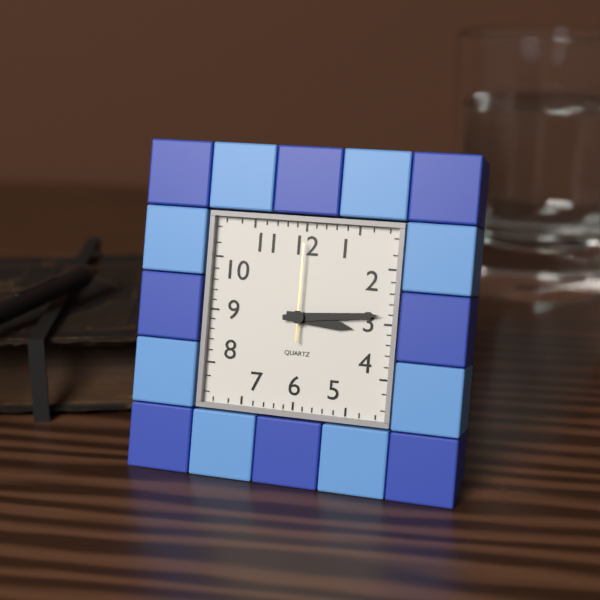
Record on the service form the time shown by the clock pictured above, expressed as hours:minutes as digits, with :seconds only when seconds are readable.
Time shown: 3:14:00
